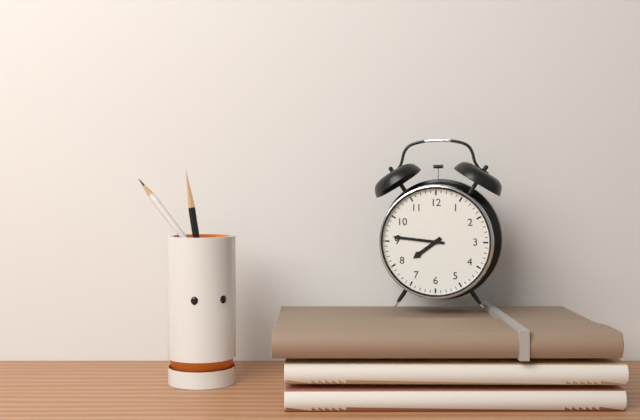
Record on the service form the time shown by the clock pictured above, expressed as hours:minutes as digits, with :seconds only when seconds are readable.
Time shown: 7:46
